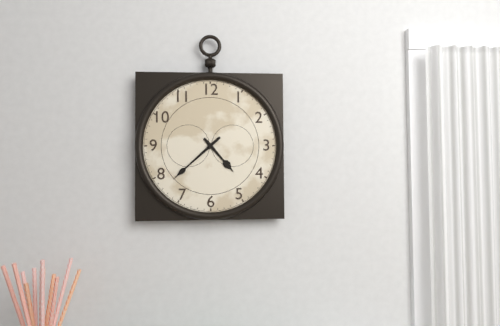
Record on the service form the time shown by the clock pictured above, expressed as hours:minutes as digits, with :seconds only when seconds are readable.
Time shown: 4:38
